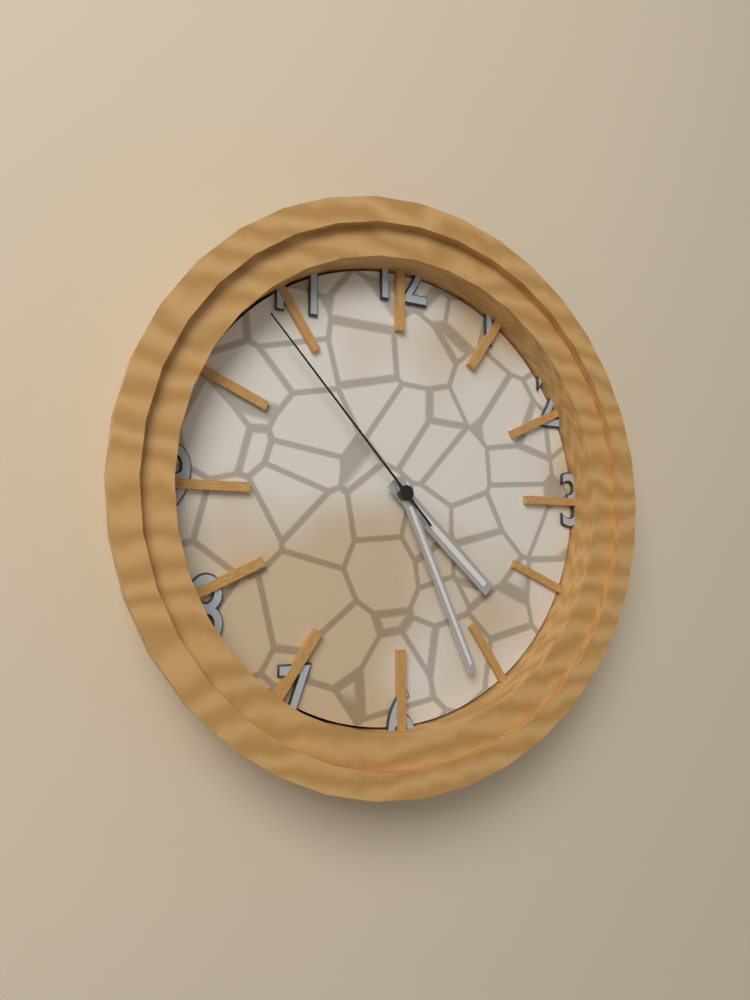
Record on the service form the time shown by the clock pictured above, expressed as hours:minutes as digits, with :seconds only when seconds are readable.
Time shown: 4:26:53
